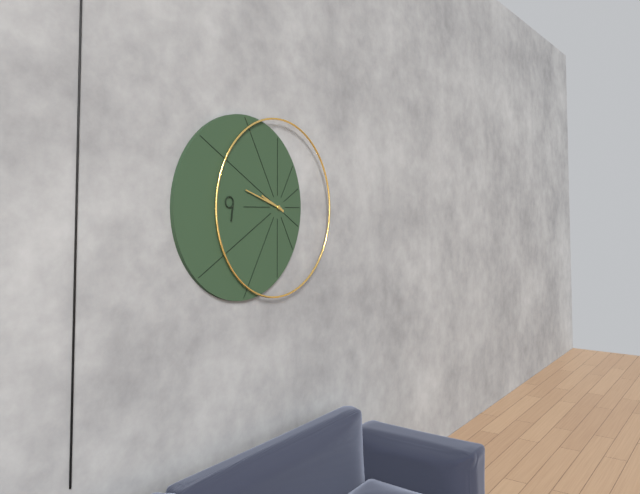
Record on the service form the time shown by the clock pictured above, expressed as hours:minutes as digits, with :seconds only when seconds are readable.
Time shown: 9:48
